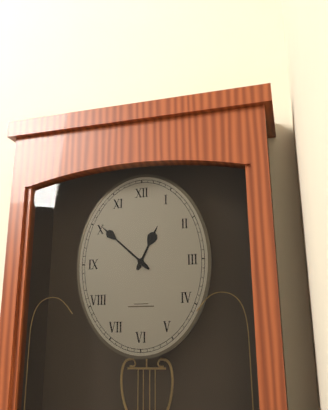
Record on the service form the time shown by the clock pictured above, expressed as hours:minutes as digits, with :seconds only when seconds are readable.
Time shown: 12:52
